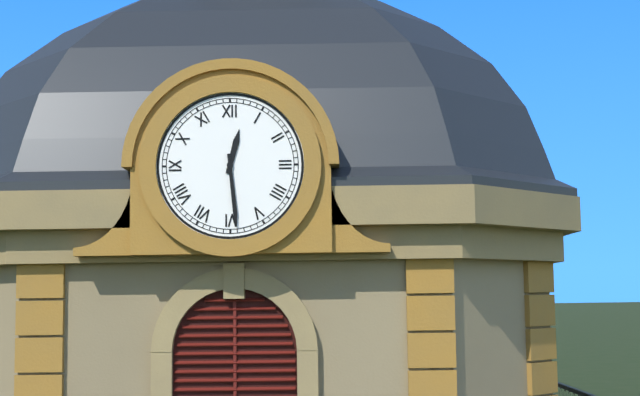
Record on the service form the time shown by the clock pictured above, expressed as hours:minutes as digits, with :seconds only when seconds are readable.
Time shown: 12:29
